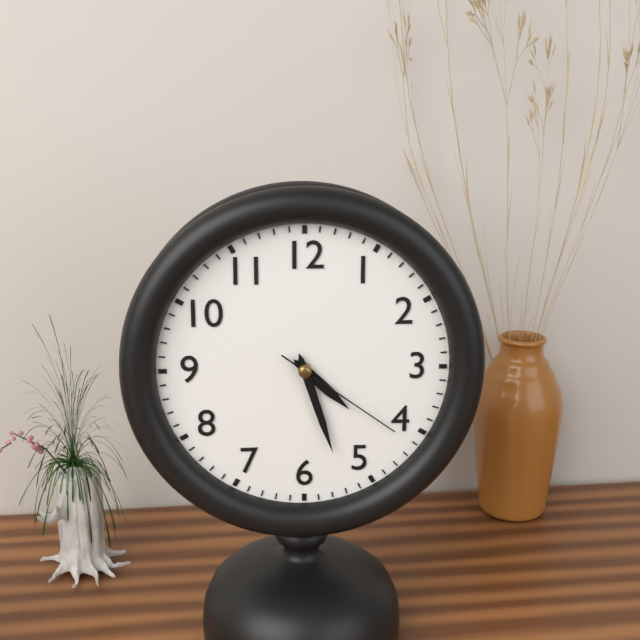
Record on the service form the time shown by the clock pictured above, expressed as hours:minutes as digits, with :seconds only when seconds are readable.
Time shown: 4:27:21
